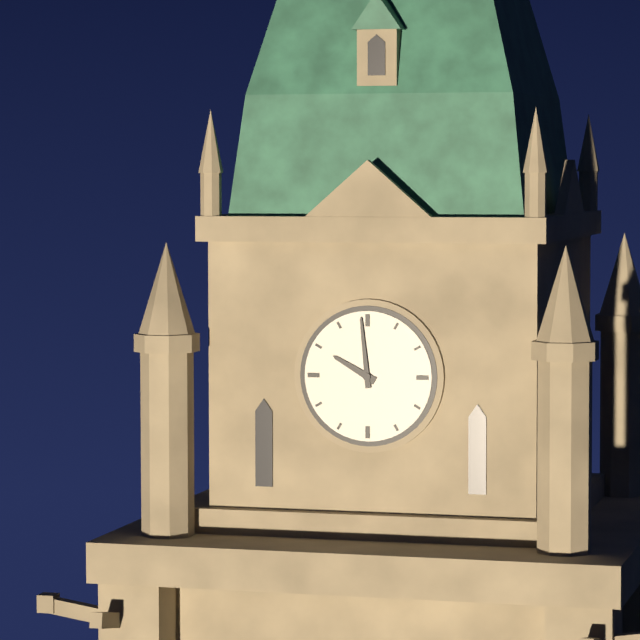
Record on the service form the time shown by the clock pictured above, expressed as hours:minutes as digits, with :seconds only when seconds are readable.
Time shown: 9:59
